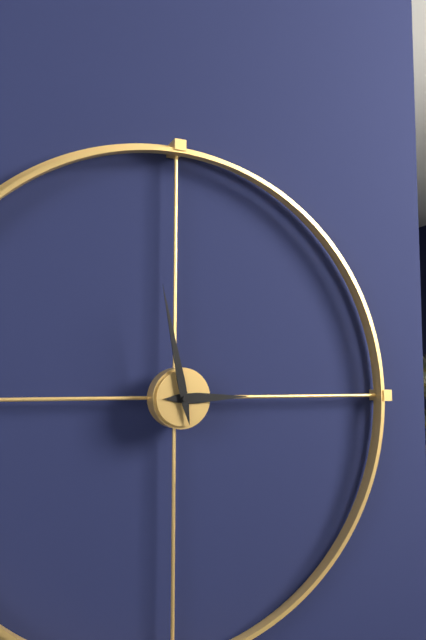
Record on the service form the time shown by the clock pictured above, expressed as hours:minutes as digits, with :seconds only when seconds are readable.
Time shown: 2:58
